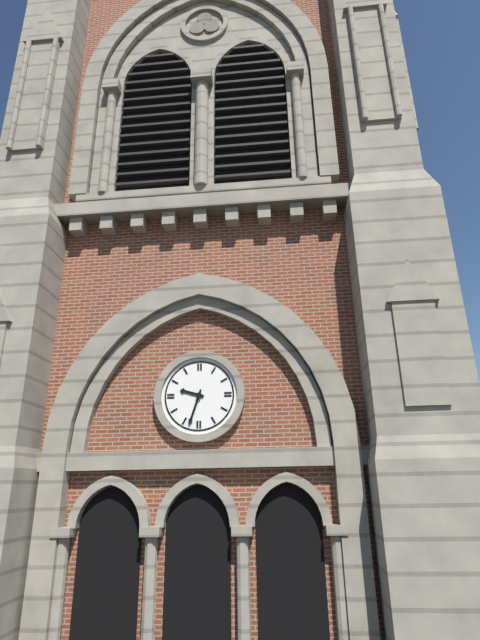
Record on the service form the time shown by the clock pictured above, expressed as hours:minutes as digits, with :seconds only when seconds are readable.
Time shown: 9:33
